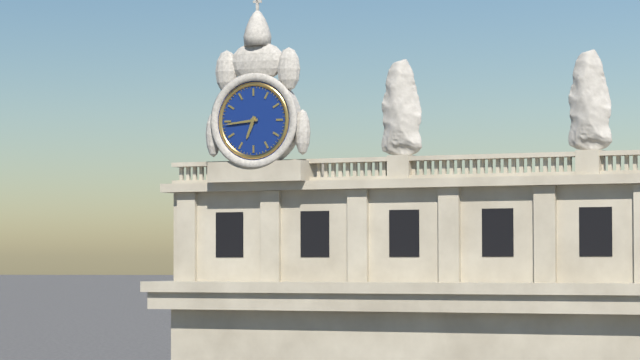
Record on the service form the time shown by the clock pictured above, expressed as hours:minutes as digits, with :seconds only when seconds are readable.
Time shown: 6:44
